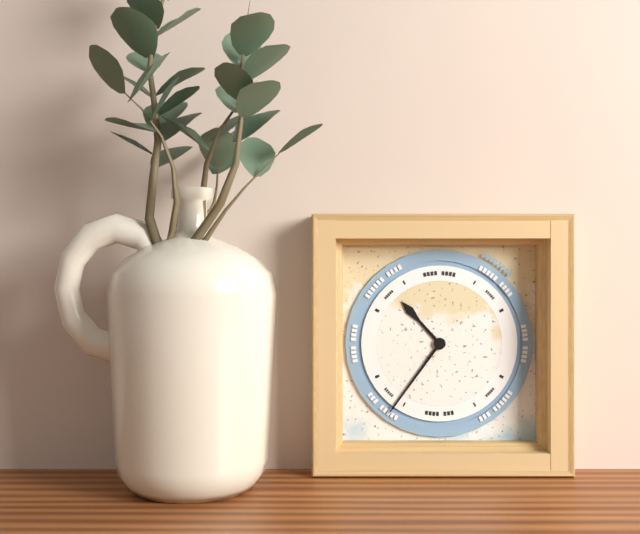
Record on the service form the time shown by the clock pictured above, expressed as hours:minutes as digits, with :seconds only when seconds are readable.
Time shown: 10:36
